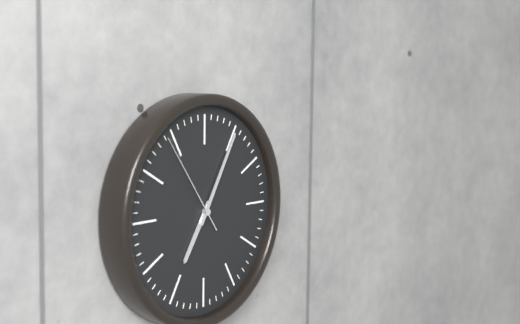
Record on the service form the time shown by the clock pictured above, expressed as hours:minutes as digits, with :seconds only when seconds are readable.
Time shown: 7:05:54
